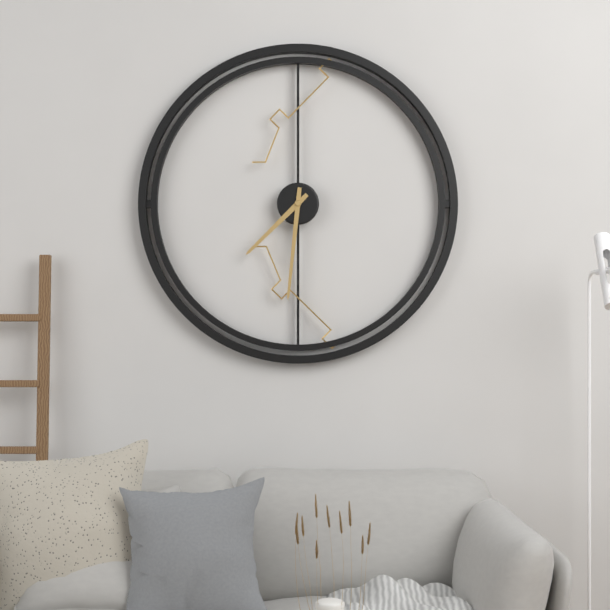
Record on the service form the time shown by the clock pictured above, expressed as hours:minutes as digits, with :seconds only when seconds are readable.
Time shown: 7:31
